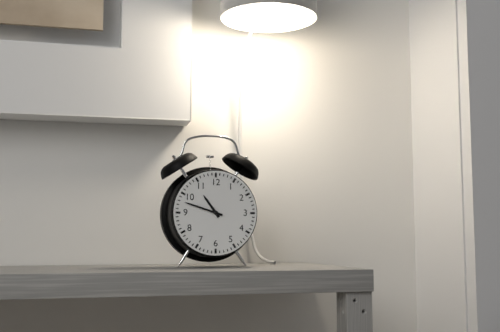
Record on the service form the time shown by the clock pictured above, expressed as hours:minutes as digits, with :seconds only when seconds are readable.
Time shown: 10:48
